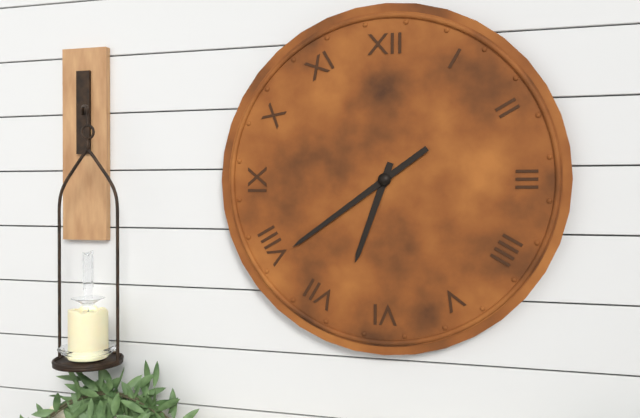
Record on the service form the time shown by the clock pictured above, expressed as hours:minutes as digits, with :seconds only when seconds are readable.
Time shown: 6:39
